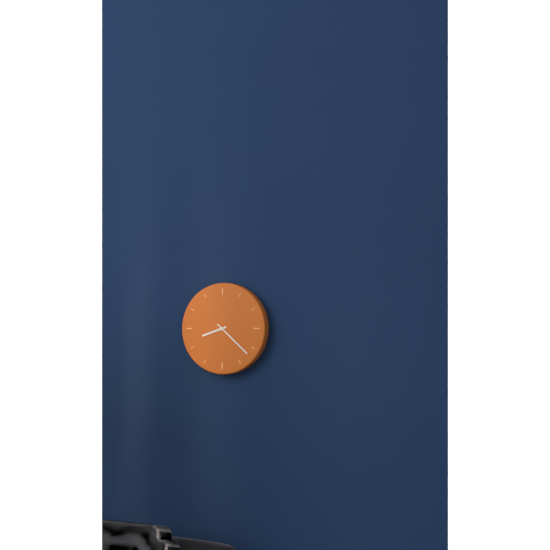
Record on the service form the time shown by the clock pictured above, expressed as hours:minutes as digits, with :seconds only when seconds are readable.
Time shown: 8:22
